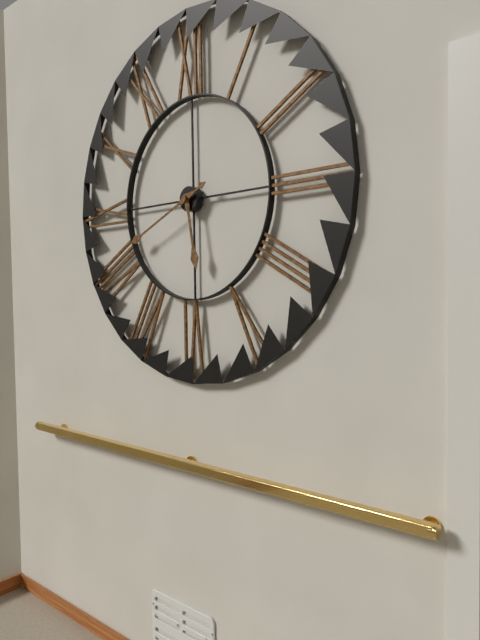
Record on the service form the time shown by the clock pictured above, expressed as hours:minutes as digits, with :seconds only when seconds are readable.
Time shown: 5:41
